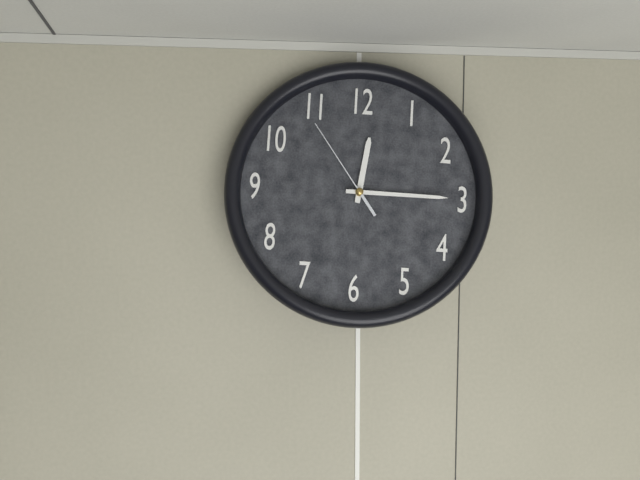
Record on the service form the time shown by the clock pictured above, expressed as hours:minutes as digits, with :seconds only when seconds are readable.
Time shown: 12:15:54
